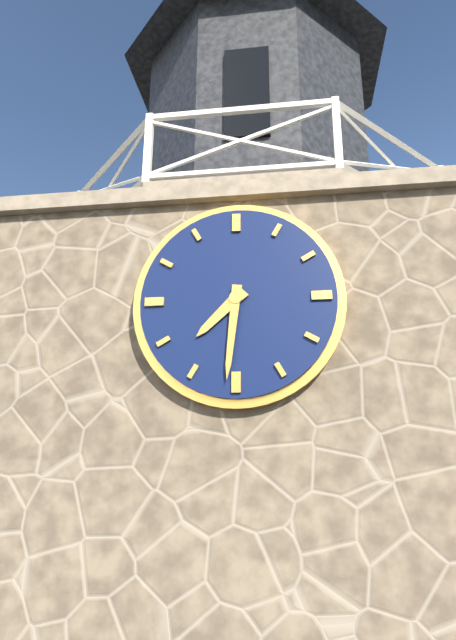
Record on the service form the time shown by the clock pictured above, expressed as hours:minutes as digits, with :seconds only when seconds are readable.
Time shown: 7:31
